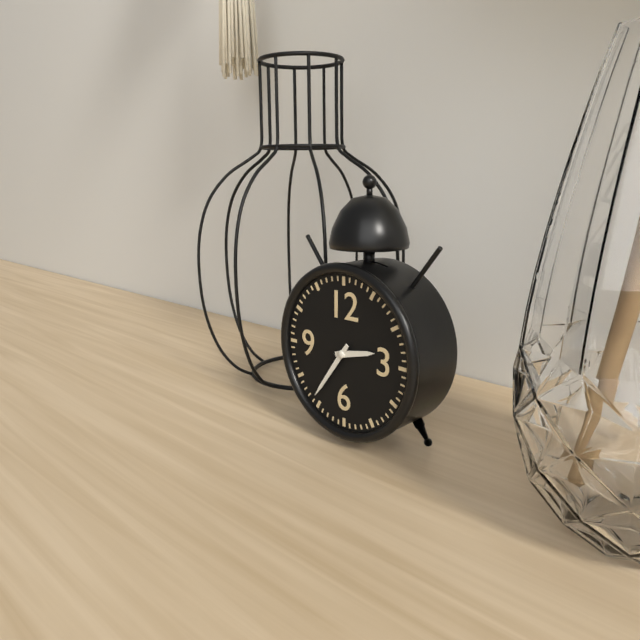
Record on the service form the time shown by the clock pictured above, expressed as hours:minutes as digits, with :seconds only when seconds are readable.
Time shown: 2:36
